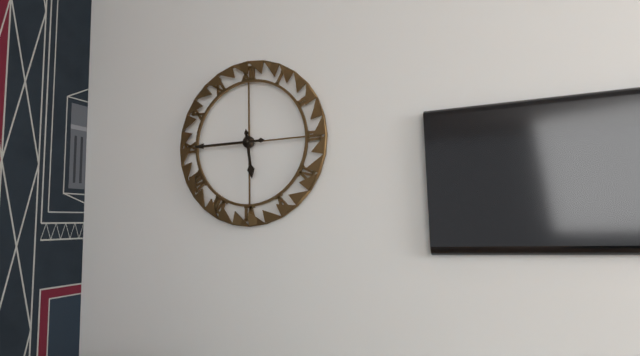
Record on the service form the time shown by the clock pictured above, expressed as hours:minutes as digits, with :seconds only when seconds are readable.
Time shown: 5:45
